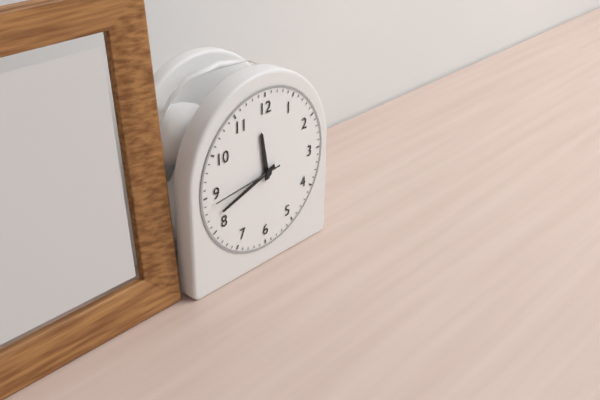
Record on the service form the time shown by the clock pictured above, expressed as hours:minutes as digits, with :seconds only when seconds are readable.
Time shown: 11:42:44
